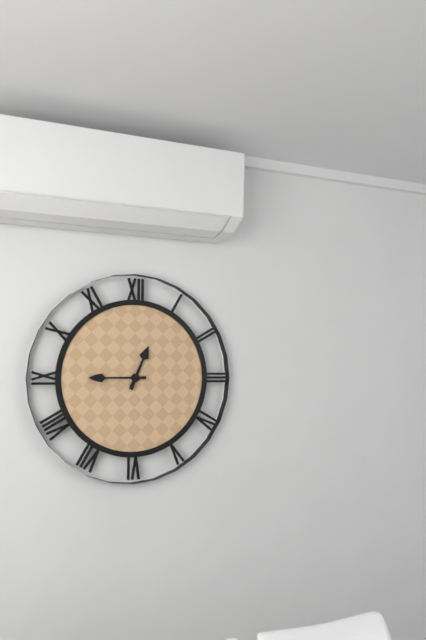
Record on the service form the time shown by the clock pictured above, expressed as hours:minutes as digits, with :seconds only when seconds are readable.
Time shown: 12:45
